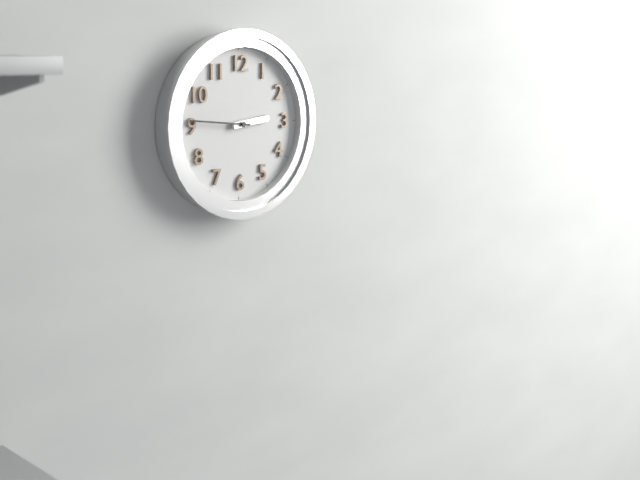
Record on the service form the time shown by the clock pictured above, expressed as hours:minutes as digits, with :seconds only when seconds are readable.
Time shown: 2:46
